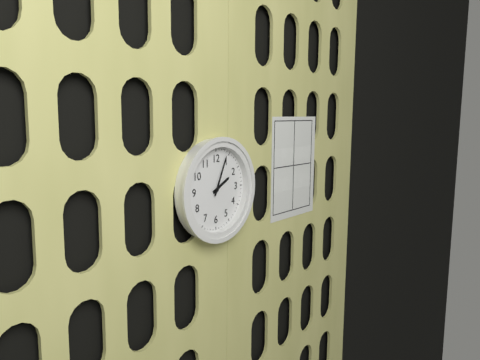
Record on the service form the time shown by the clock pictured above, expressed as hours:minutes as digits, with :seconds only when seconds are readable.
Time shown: 2:04
